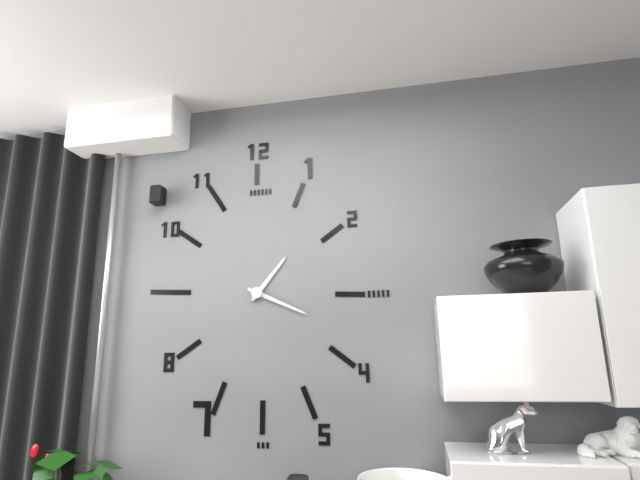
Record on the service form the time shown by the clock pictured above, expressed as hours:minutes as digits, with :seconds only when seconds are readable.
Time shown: 1:19
